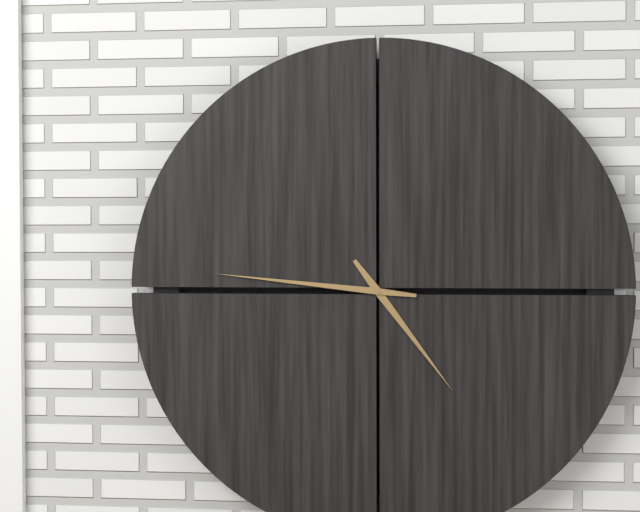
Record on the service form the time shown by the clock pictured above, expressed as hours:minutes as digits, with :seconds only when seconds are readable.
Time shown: 4:46
